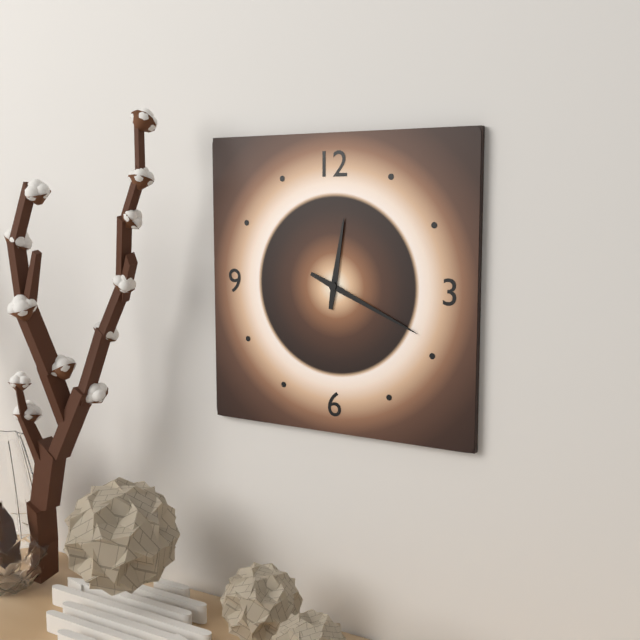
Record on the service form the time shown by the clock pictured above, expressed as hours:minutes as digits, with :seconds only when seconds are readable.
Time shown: 12:19
